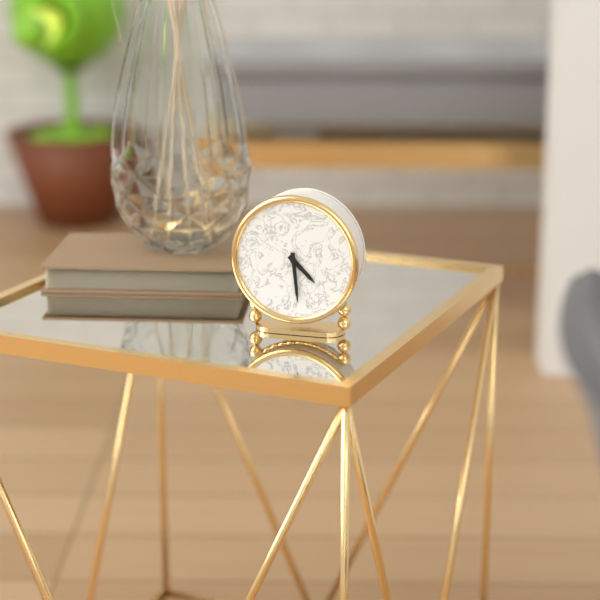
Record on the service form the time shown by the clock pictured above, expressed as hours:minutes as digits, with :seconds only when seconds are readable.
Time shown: 4:29
